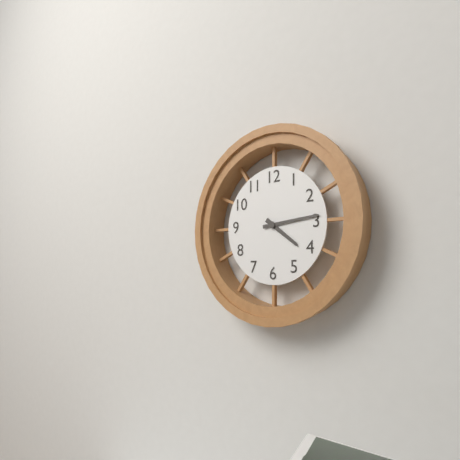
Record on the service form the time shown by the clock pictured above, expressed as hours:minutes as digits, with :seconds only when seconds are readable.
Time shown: 4:14
